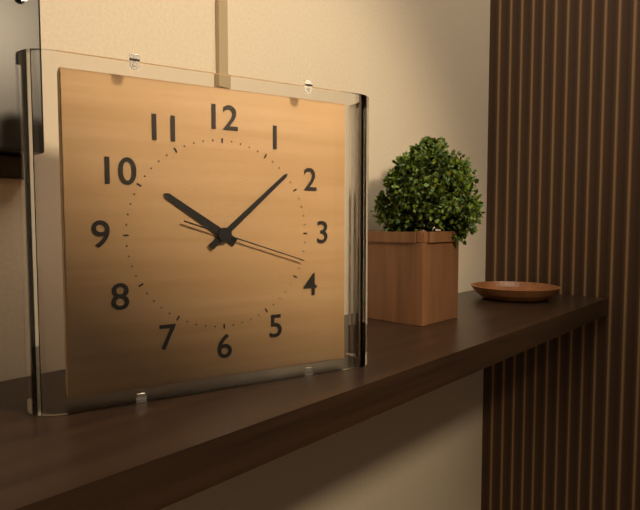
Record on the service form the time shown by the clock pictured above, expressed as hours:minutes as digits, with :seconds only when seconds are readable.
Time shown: 10:08:18
